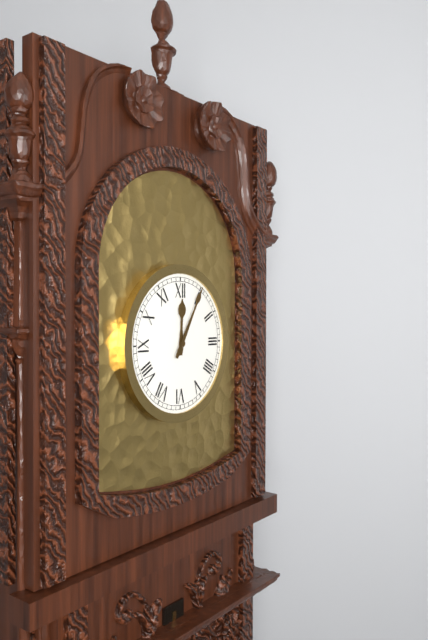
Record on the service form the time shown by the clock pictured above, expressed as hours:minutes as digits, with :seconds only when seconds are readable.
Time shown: 12:05
